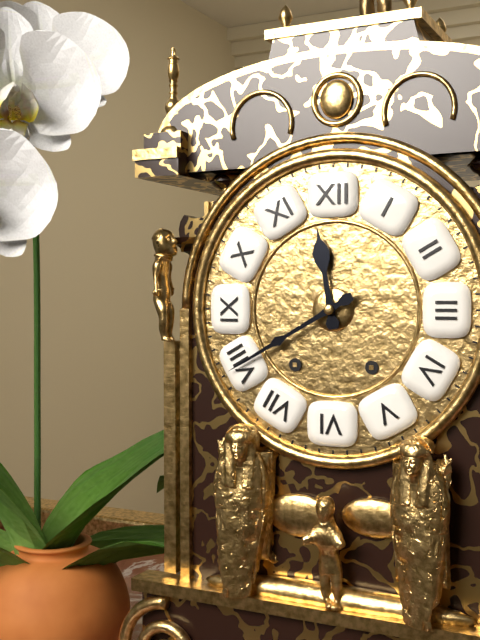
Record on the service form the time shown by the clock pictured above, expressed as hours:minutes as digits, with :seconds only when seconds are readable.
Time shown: 11:40
